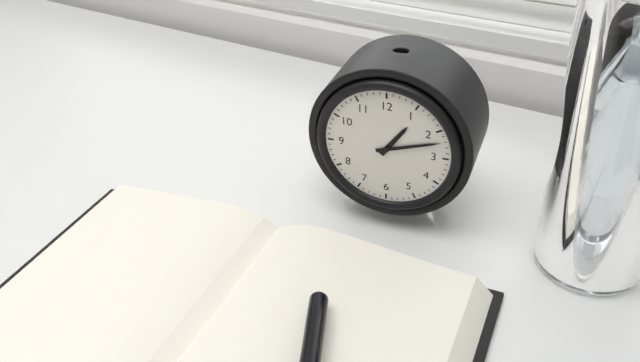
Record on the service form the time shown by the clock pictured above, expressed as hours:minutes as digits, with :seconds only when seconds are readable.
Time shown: 1:12
